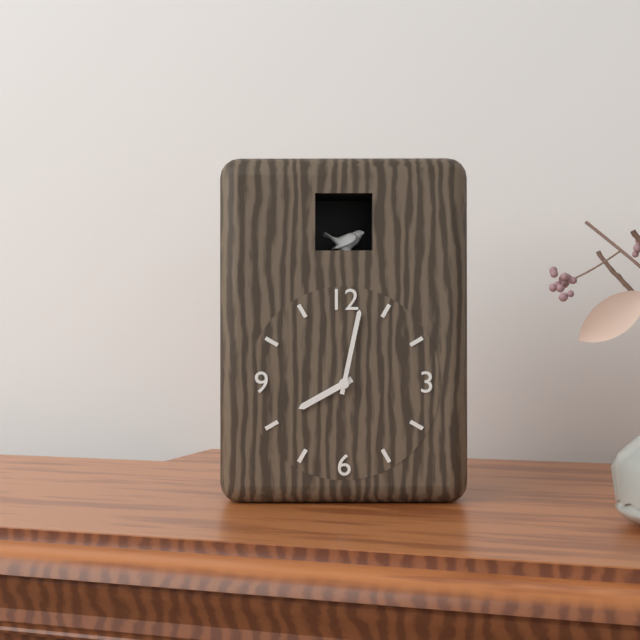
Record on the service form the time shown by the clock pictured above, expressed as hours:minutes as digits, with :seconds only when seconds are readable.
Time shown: 8:02
